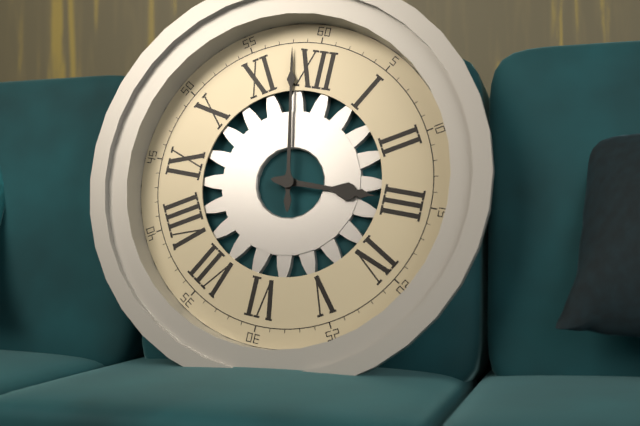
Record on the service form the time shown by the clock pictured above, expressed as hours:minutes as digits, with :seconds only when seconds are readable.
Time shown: 2:58
